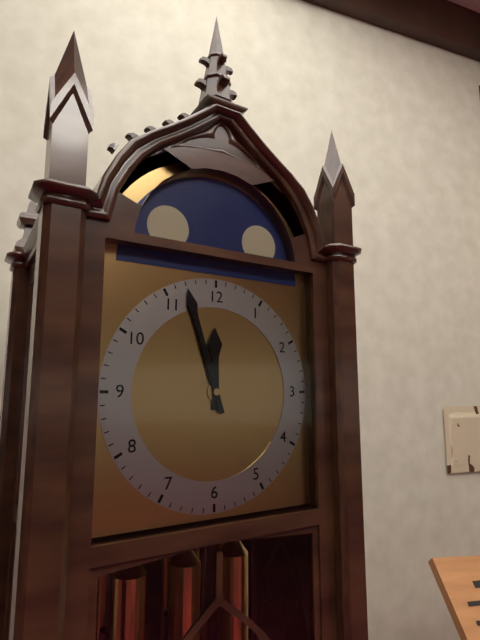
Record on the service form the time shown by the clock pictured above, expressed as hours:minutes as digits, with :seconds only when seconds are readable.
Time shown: 11:57
